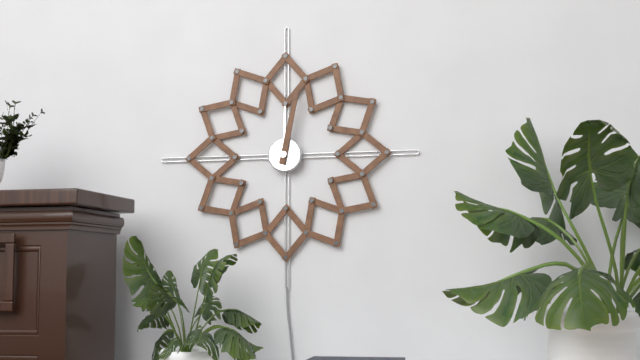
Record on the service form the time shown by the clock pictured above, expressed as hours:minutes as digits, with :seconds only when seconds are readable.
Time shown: 12:02
